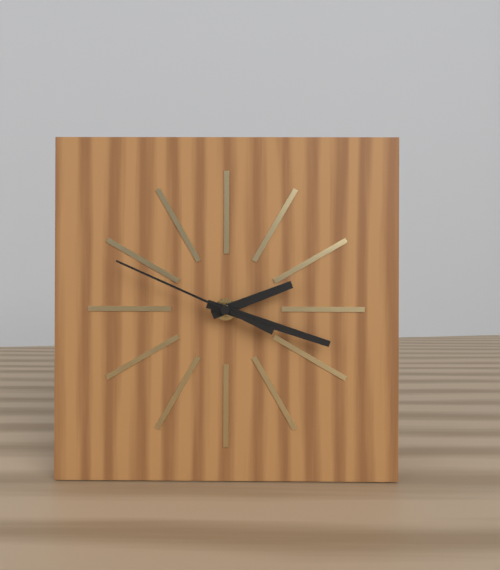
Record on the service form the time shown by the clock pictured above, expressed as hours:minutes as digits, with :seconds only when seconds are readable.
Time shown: 2:18:49
